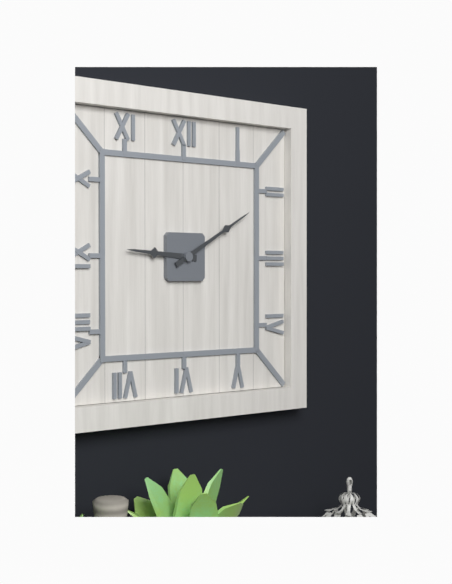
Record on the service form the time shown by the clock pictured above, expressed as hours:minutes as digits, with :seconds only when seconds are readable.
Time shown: 9:10
